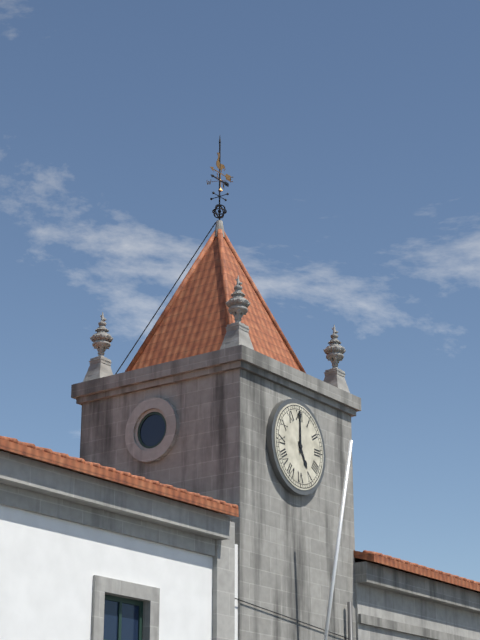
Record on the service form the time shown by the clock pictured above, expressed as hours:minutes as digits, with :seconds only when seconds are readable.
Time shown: 5:00
